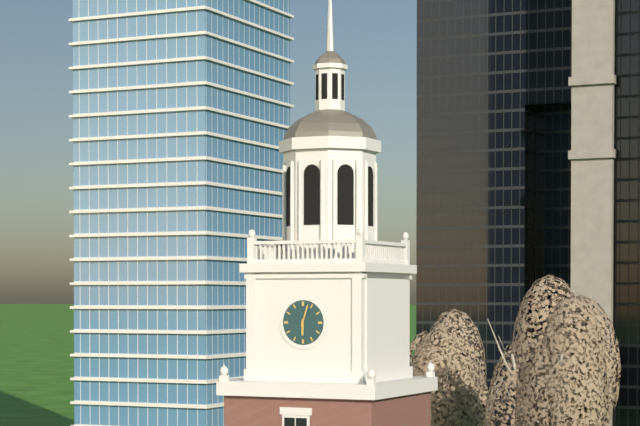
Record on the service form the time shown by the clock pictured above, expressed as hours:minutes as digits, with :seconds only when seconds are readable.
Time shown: 6:03
